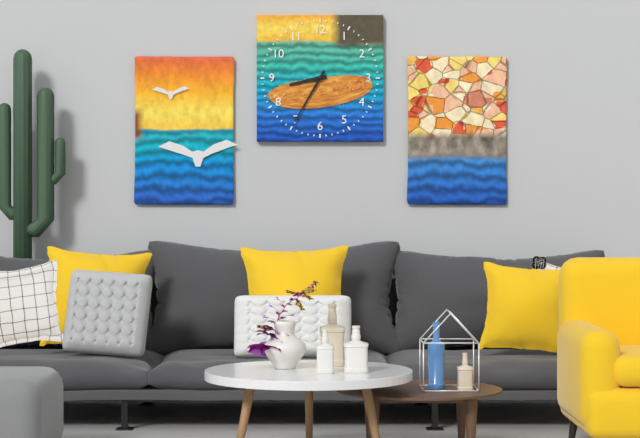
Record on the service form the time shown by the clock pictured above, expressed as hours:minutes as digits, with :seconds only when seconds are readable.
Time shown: 8:35
